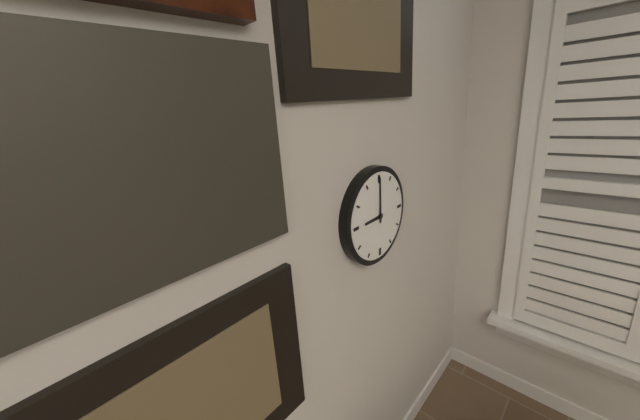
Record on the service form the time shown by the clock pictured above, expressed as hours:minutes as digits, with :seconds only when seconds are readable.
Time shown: 9:00
